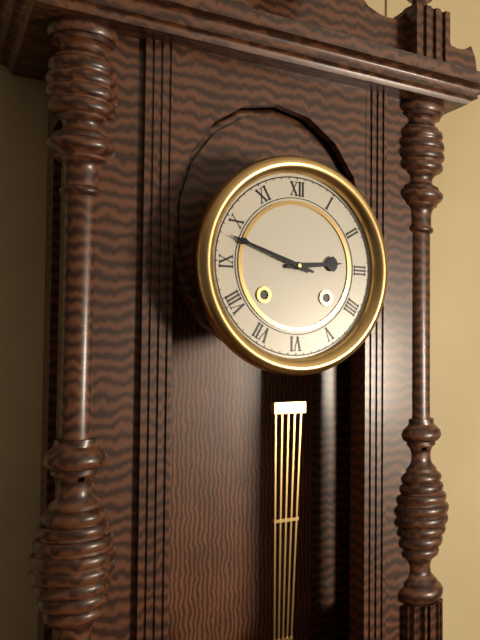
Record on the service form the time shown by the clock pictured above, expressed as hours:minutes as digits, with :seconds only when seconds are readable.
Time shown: 2:48
